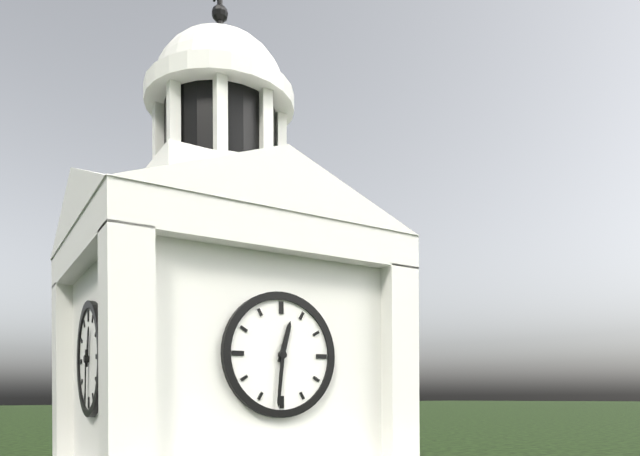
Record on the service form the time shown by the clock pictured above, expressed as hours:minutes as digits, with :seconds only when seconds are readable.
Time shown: 12:31
